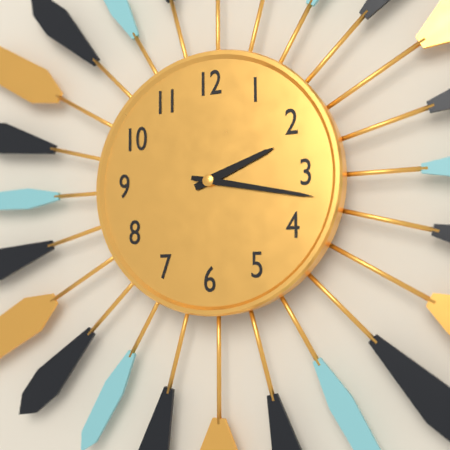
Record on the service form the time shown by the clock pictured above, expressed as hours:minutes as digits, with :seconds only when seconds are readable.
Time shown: 2:17
